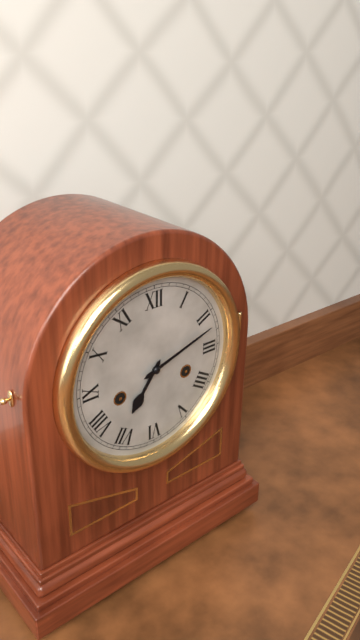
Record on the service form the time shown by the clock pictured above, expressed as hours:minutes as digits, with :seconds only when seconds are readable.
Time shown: 7:12
